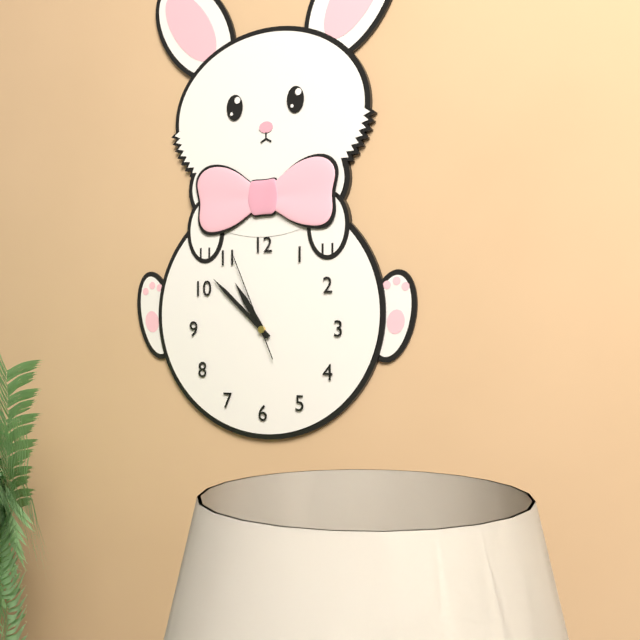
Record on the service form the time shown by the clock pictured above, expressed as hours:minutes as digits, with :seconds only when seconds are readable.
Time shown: 10:52:56
